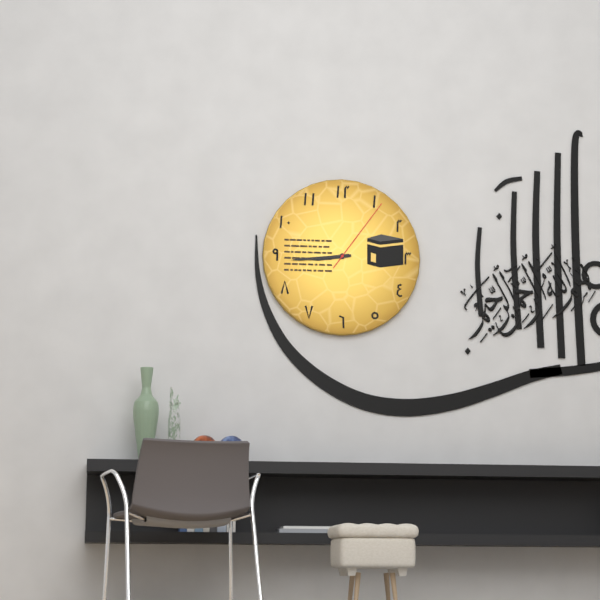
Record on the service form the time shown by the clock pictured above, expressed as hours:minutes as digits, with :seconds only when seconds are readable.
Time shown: 8:44:06
